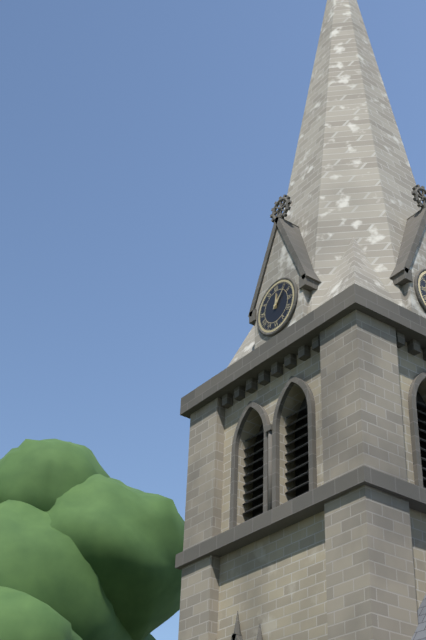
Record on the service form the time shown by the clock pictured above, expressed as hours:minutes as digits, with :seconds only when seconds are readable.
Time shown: 12:07
